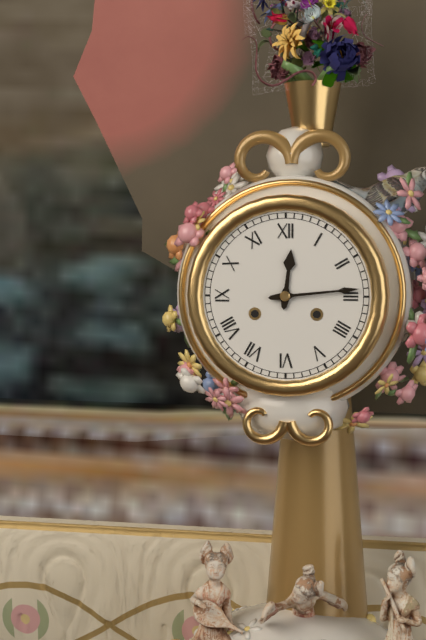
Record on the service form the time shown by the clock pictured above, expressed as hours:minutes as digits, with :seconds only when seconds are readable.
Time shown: 12:14
